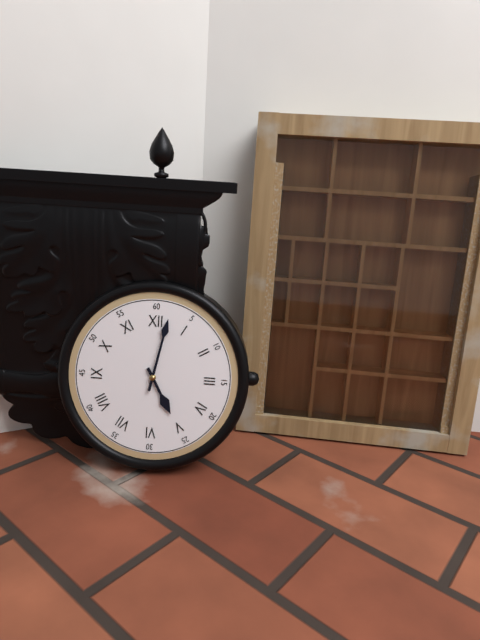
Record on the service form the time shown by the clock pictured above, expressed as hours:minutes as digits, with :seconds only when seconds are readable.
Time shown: 5:02
